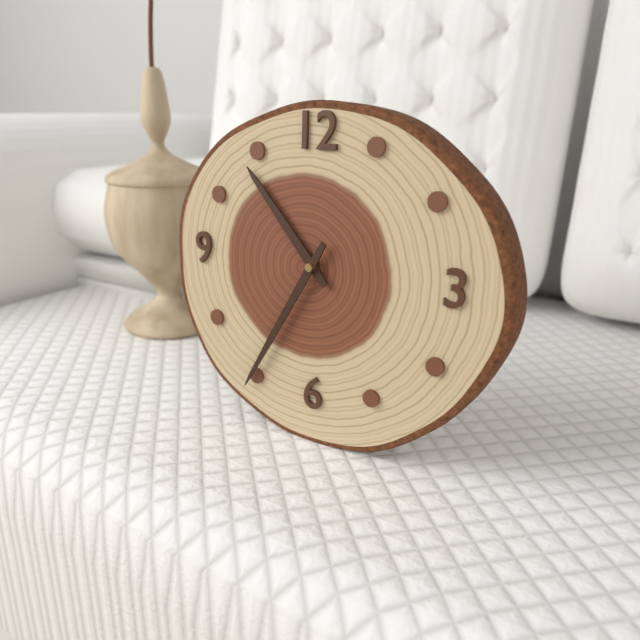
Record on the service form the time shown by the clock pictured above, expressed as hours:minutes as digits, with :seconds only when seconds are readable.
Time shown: 10:35
